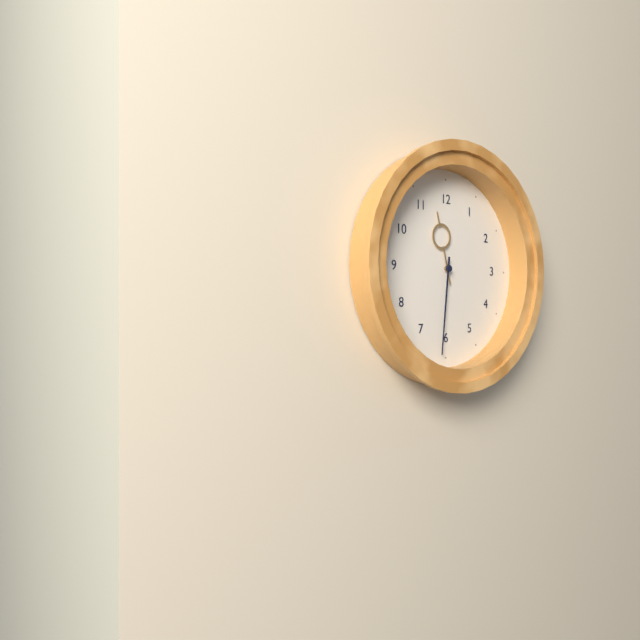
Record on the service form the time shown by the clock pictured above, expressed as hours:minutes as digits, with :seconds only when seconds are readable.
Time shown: 11:31
